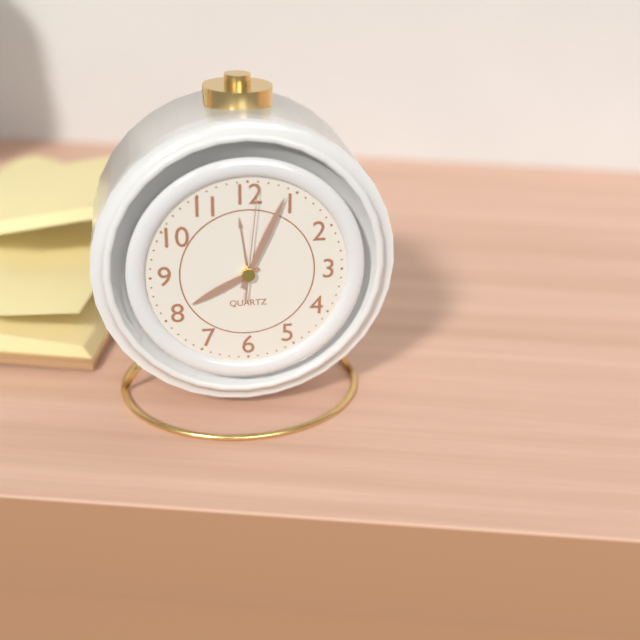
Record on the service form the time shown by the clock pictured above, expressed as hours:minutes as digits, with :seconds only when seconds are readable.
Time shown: 8:04:01
